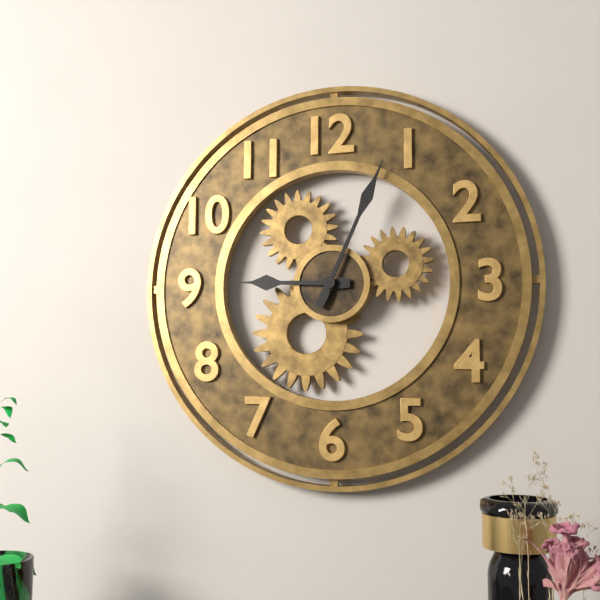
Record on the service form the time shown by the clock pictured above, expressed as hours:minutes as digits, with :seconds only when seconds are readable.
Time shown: 9:04
